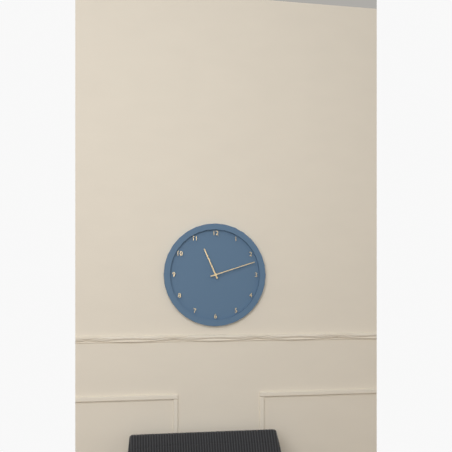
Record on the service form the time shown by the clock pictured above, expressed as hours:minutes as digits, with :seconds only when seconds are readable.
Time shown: 11:12
